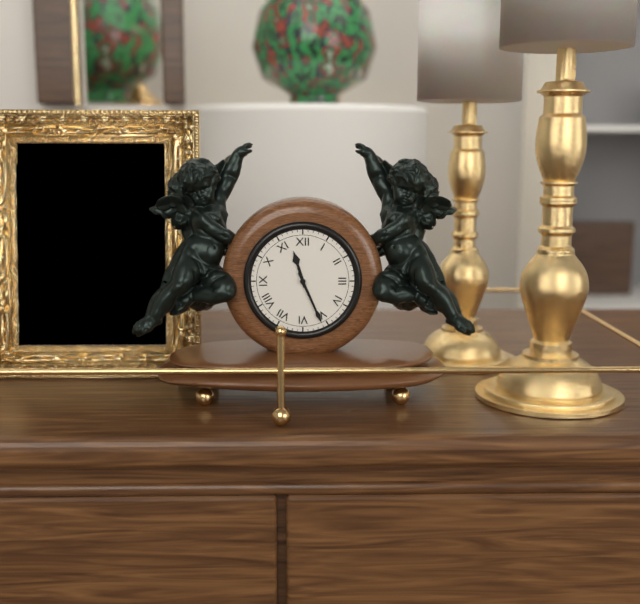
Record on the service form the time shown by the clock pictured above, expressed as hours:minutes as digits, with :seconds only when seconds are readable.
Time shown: 11:26
